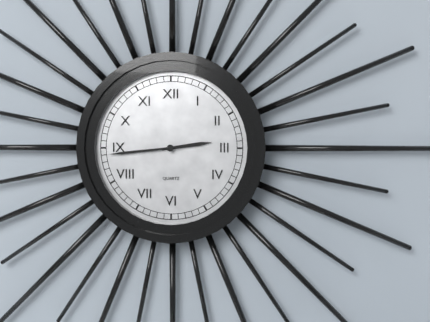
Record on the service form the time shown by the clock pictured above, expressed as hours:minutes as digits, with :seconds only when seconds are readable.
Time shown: 2:44
